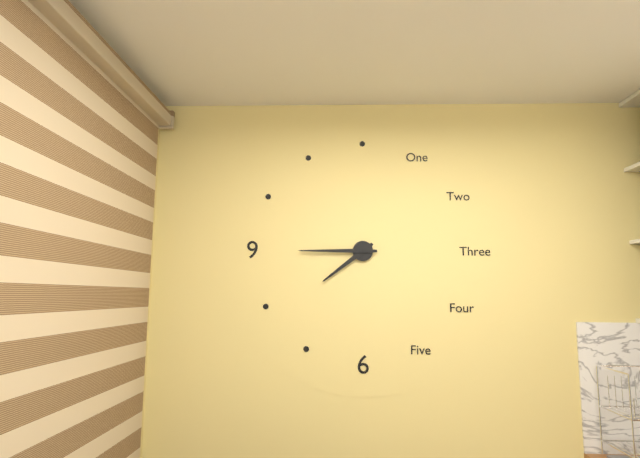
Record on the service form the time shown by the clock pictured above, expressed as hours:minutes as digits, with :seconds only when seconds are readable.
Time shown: 7:45
